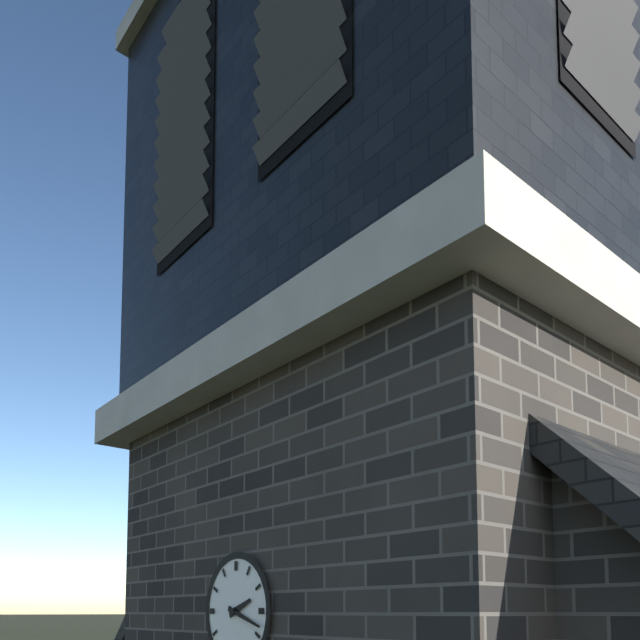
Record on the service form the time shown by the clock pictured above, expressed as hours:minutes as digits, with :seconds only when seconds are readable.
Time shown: 2:18
